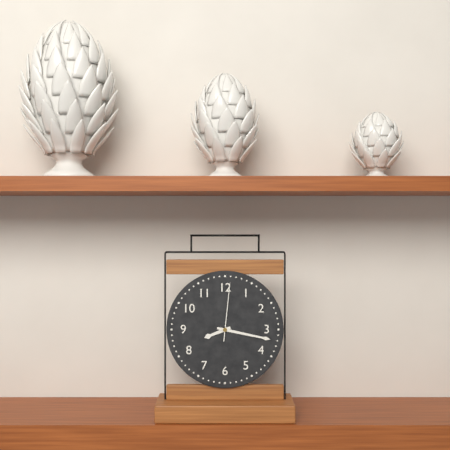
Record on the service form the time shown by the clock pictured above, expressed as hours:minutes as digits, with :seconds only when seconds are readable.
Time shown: 8:17:01
